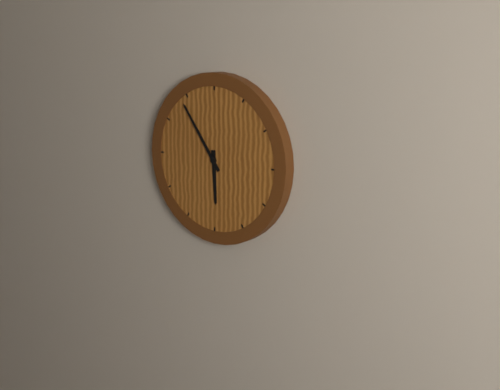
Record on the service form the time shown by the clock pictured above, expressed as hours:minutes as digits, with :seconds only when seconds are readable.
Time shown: 5:54
